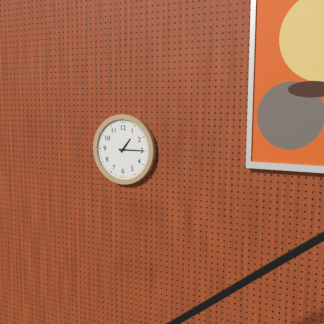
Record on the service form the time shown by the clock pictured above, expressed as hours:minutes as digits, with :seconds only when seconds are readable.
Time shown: 1:15
